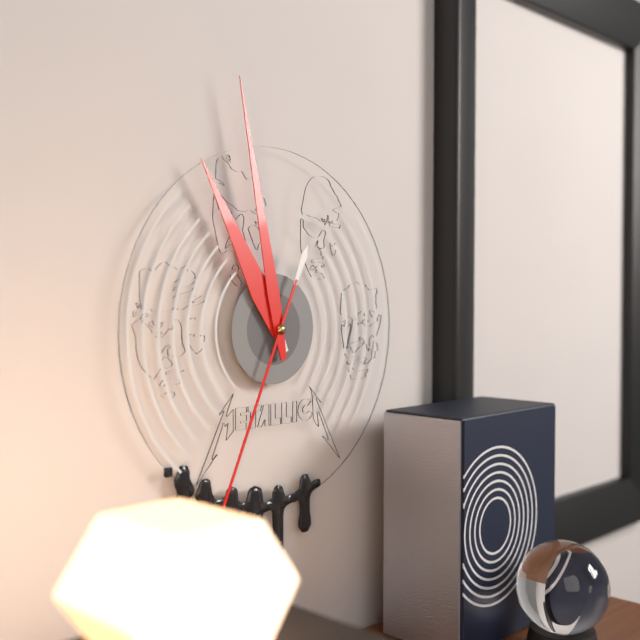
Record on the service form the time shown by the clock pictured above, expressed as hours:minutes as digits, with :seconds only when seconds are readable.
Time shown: 10:58
